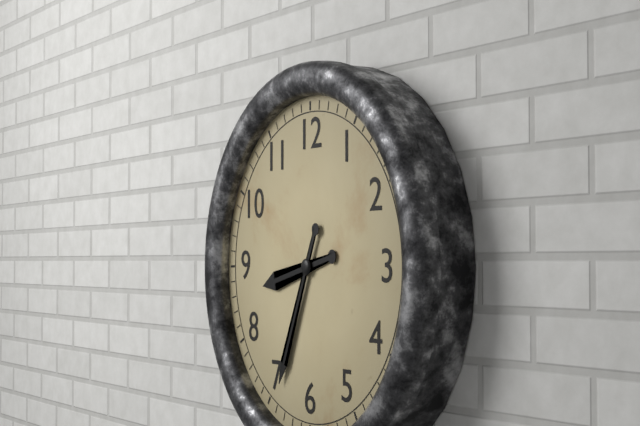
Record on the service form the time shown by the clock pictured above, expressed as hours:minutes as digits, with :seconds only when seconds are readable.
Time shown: 8:34
